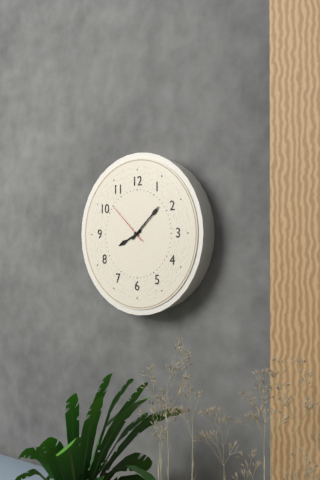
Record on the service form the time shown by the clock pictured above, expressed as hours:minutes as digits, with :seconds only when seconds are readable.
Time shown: 8:08
